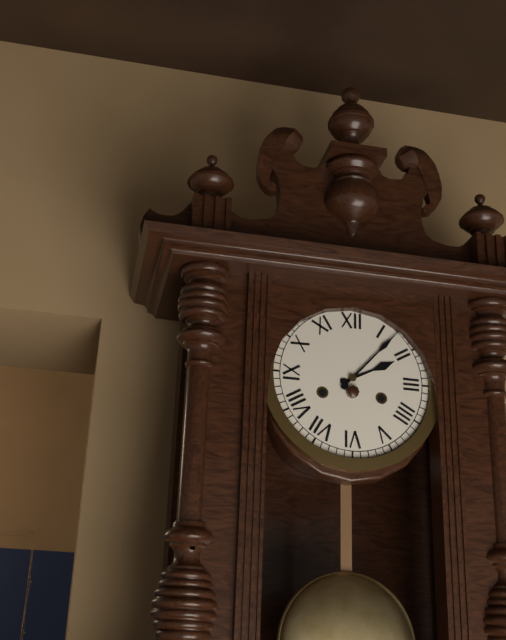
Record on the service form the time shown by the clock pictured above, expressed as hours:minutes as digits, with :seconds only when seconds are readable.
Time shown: 2:07
